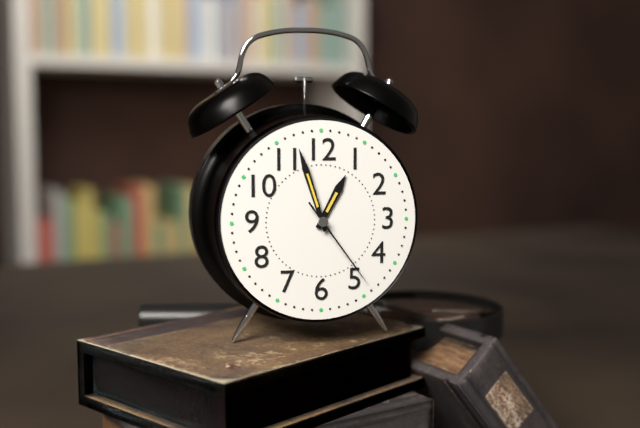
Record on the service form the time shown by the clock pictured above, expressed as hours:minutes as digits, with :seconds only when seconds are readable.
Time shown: 12:57:24
